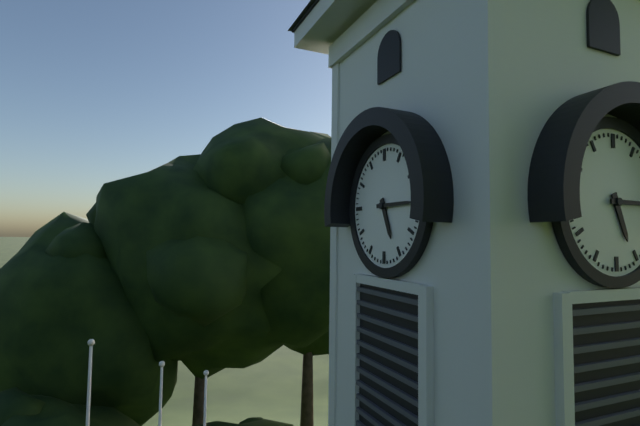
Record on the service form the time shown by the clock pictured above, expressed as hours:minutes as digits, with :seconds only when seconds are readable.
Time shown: 5:15
